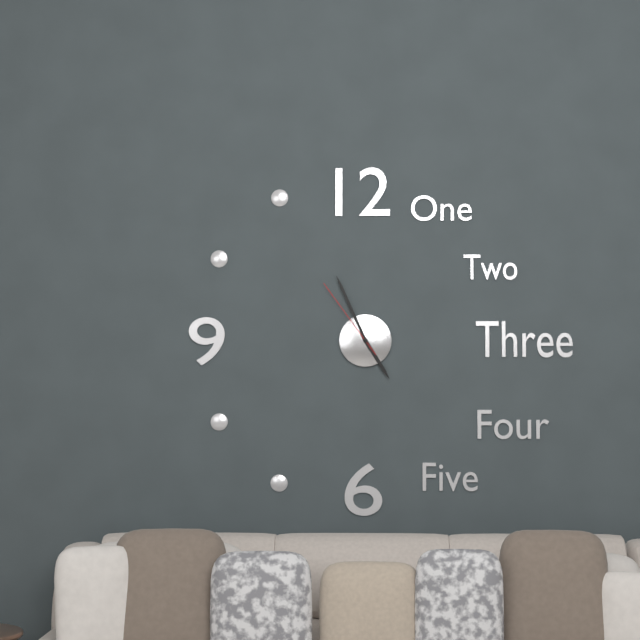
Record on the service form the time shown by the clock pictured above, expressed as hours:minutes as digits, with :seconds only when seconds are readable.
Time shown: 4:56:54
